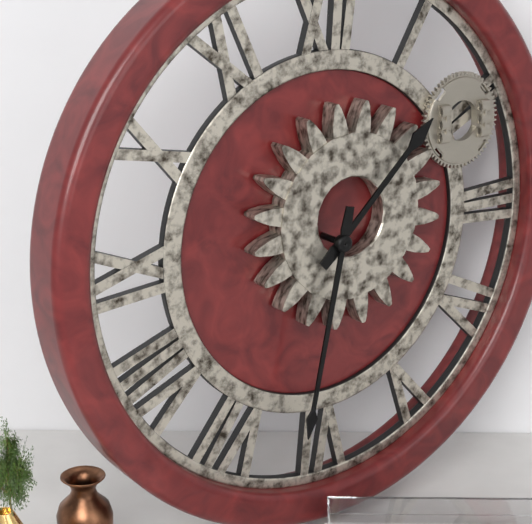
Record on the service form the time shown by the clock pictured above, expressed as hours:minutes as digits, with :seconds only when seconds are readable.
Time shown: 1:32
